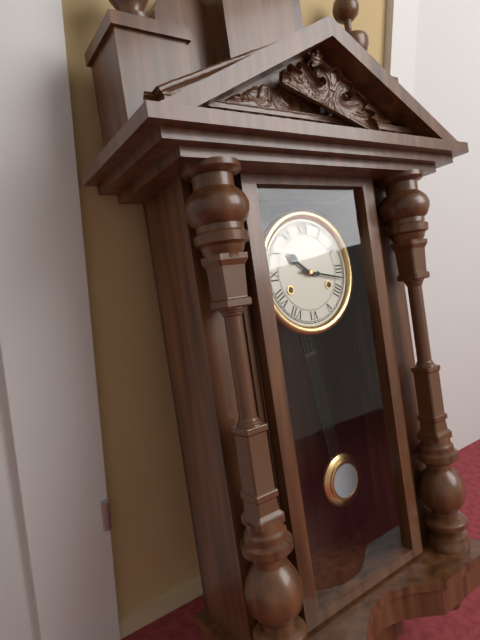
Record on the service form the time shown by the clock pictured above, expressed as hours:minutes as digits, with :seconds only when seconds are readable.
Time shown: 10:17
